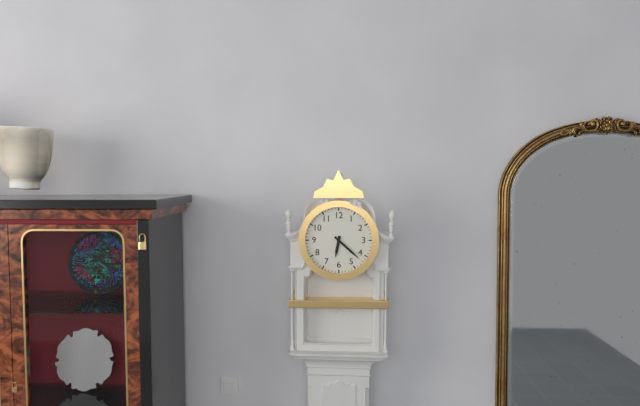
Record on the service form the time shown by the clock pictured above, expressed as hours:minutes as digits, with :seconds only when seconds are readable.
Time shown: 6:22
